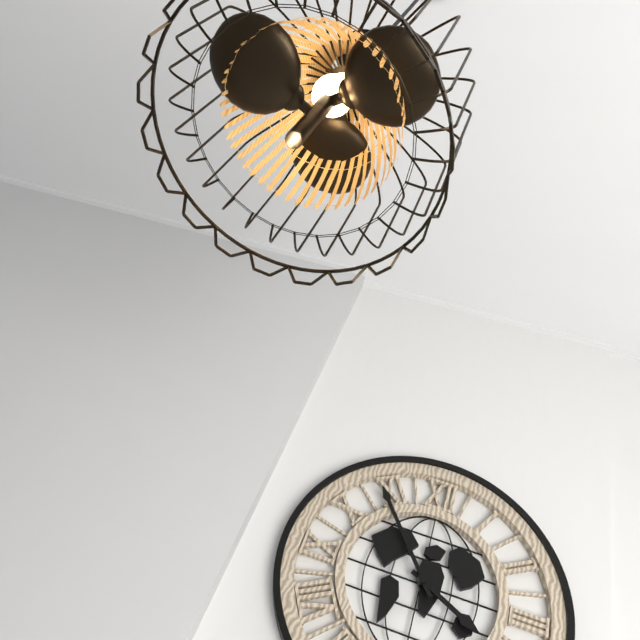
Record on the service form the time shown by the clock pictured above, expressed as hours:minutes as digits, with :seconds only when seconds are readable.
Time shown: 3:54
